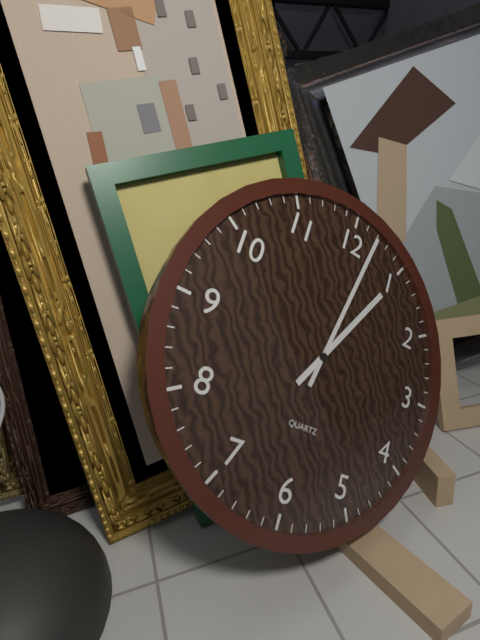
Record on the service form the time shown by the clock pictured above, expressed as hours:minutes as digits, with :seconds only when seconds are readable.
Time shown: 1:02
